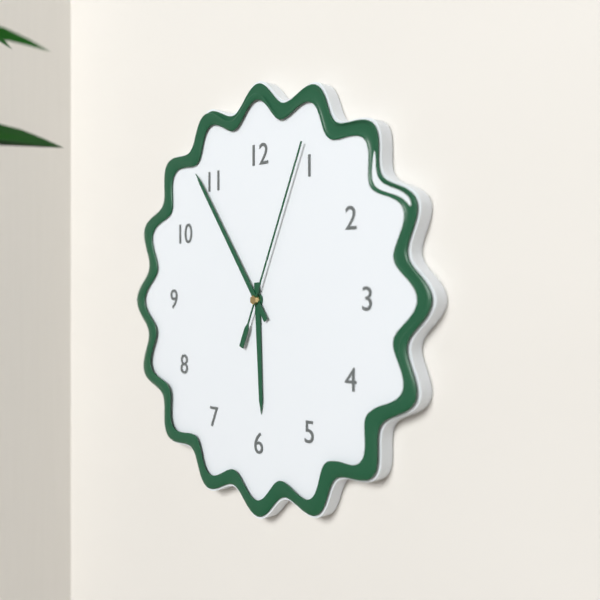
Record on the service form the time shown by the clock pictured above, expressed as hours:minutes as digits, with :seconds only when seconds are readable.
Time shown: 5:54:04
